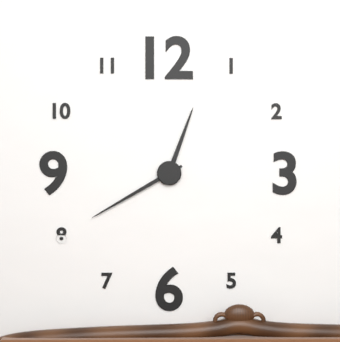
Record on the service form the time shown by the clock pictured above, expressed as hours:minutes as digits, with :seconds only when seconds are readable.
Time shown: 12:40
